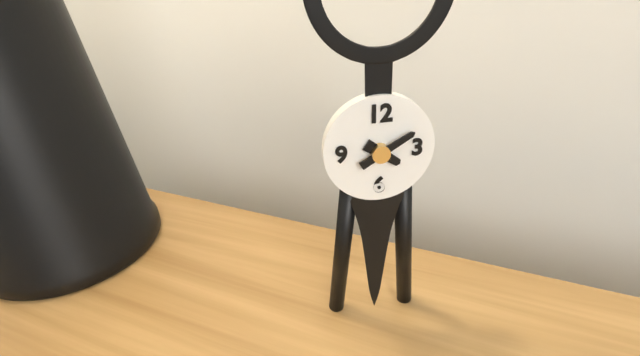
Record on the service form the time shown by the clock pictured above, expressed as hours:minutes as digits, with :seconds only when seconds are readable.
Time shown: 4:10
